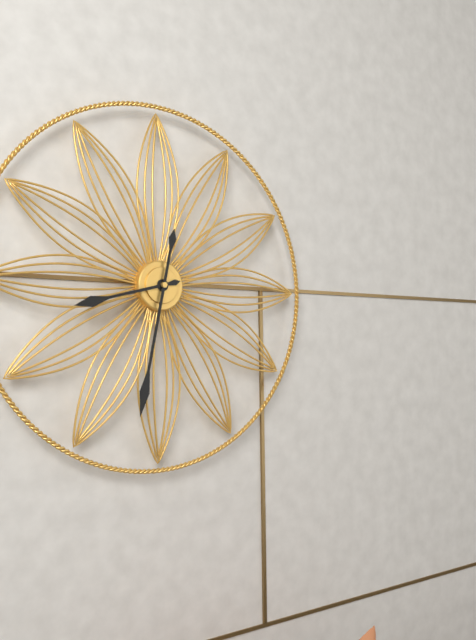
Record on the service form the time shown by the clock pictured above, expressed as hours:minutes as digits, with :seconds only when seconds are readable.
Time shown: 8:32
